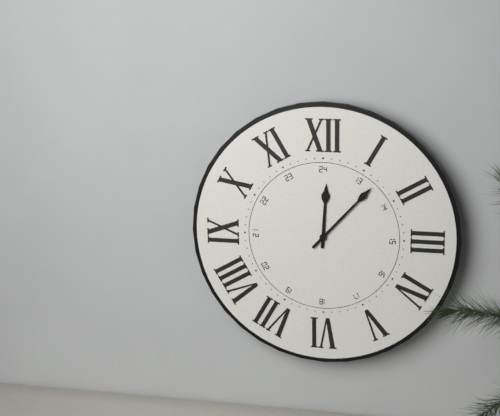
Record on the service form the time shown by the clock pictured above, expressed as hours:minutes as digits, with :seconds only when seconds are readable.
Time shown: 12:07
